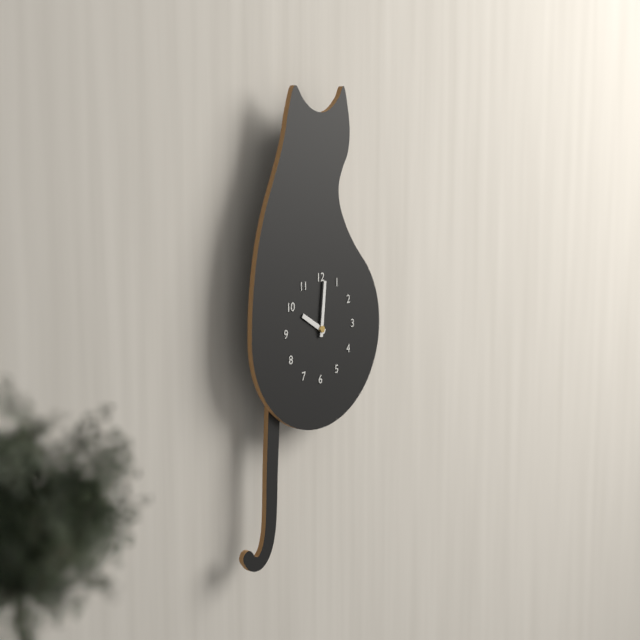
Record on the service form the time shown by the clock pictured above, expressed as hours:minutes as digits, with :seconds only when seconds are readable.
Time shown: 10:01
